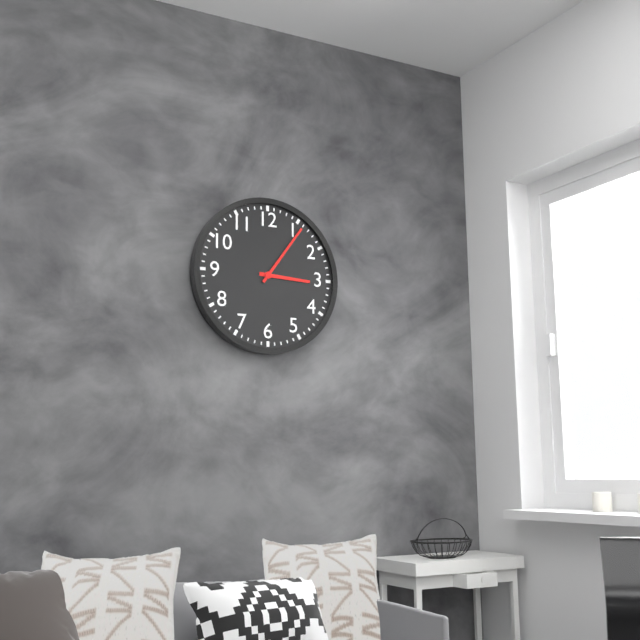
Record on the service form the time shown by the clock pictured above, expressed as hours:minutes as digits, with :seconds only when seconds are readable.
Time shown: 3:06
